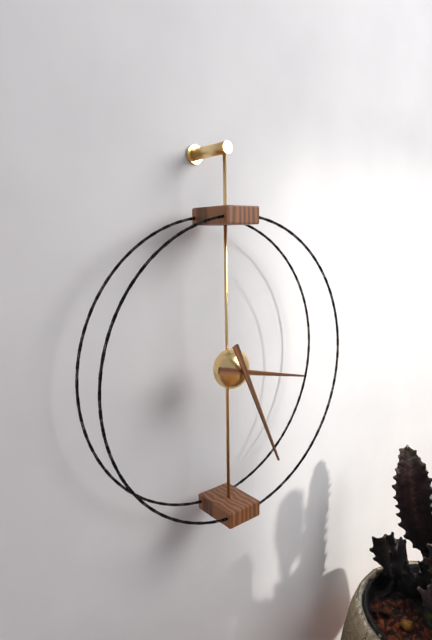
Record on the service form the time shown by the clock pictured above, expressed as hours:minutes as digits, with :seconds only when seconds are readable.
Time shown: 3:26
